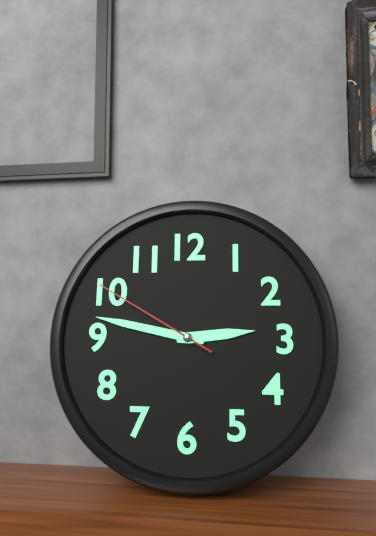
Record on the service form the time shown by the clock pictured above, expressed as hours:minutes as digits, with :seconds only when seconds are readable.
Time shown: 2:47:50
